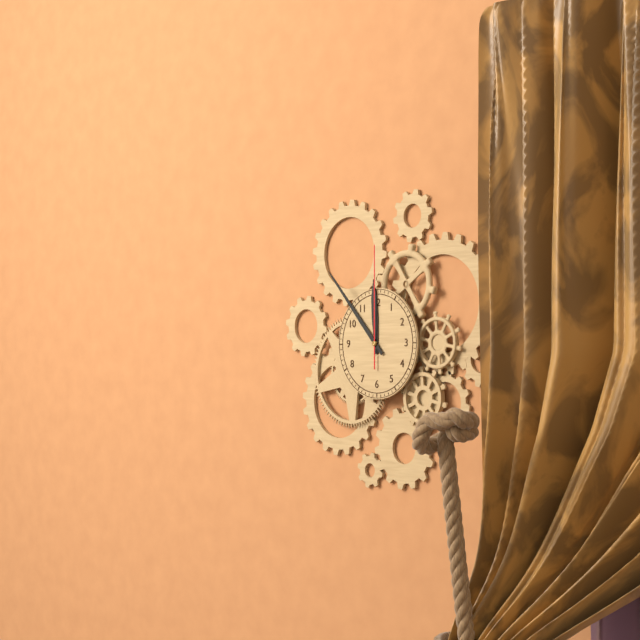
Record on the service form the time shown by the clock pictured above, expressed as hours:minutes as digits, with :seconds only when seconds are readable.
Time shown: 11:53:00
